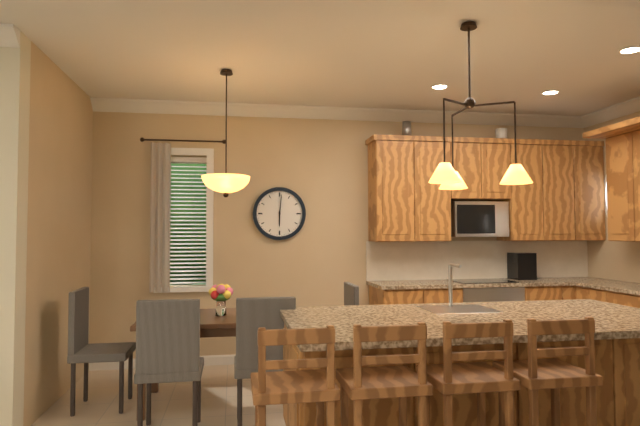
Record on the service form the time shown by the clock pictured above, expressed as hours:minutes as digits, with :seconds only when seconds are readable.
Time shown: 6:01
